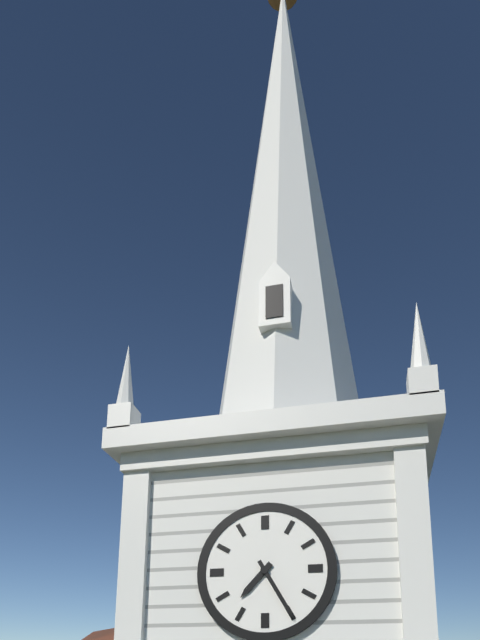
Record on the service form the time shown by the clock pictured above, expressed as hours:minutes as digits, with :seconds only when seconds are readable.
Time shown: 7:25
